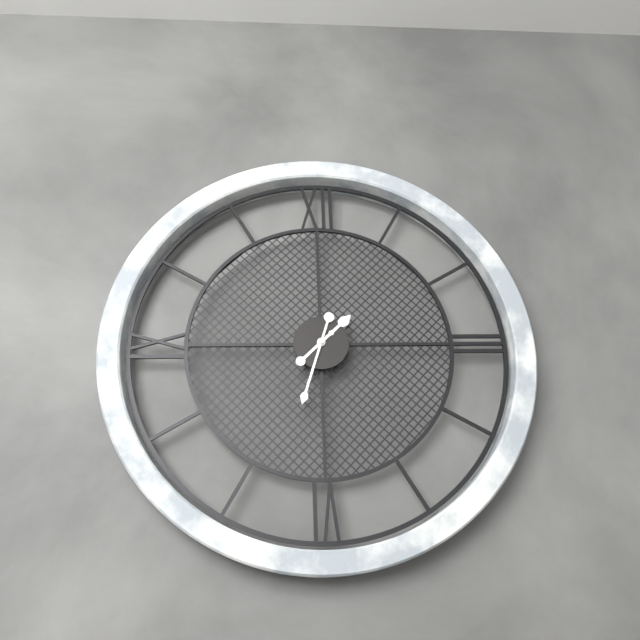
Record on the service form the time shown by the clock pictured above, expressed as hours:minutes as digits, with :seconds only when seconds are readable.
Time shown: 1:33
